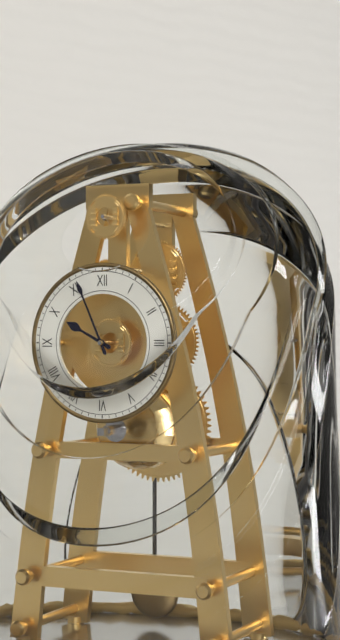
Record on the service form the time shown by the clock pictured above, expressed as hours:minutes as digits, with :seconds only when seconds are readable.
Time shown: 9:56
